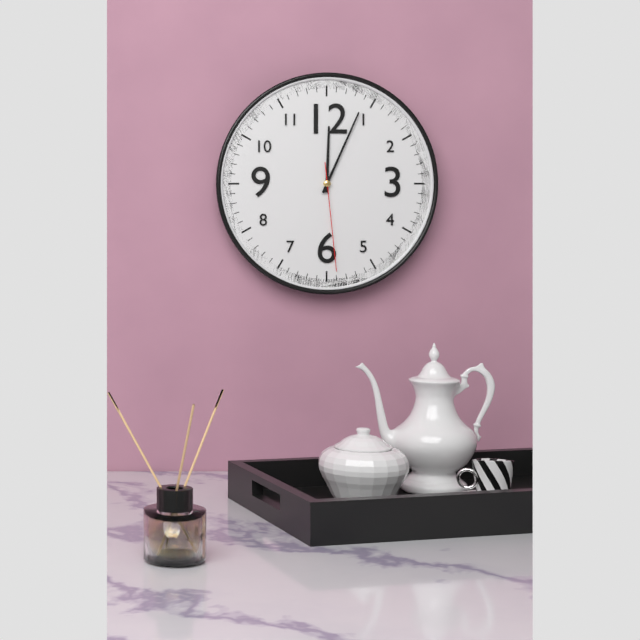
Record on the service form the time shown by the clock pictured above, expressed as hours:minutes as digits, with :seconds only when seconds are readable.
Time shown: 12:04:29
